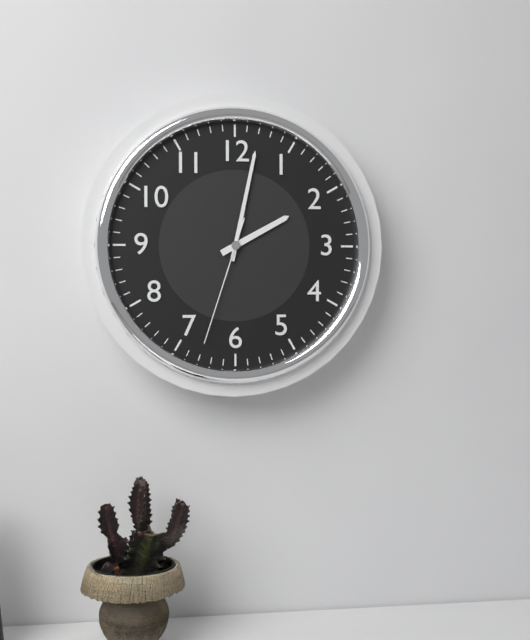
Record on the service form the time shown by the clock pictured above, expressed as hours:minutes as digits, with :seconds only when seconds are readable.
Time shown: 2:02:33
